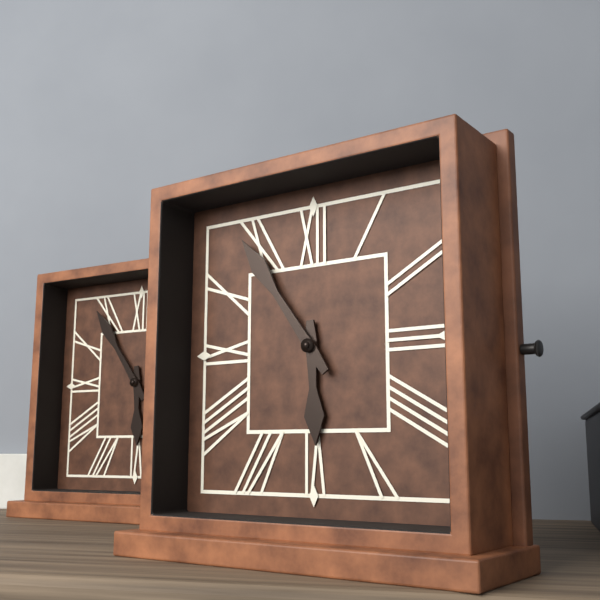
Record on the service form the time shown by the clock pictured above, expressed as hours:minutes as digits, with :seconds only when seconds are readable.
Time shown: 5:54
